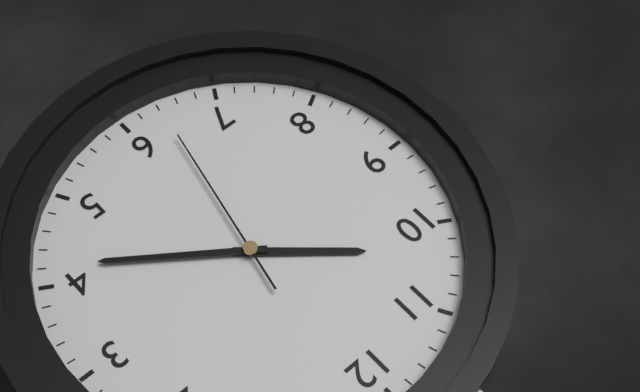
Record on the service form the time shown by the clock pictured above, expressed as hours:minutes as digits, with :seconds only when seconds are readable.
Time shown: 10:21:32
